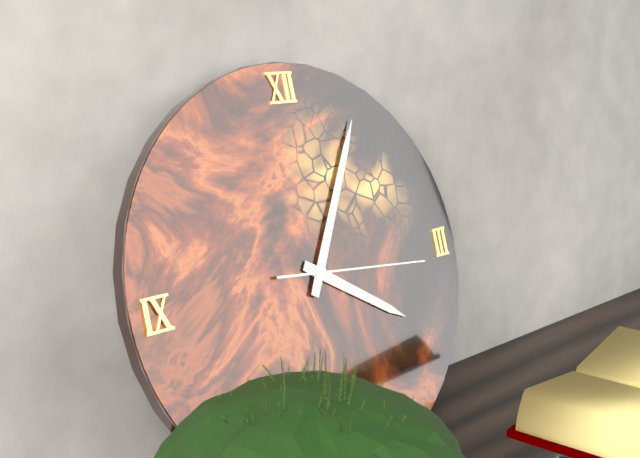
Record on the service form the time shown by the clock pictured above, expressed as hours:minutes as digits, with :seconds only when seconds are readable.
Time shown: 4:05:16
